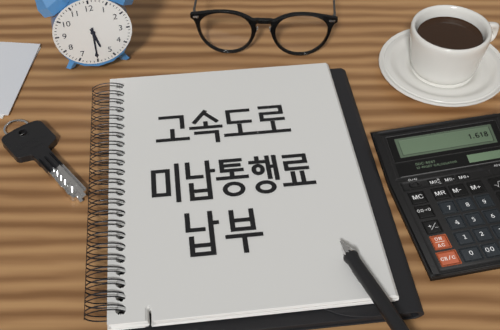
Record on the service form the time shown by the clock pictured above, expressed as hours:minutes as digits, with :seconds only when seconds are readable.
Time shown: 5:30
